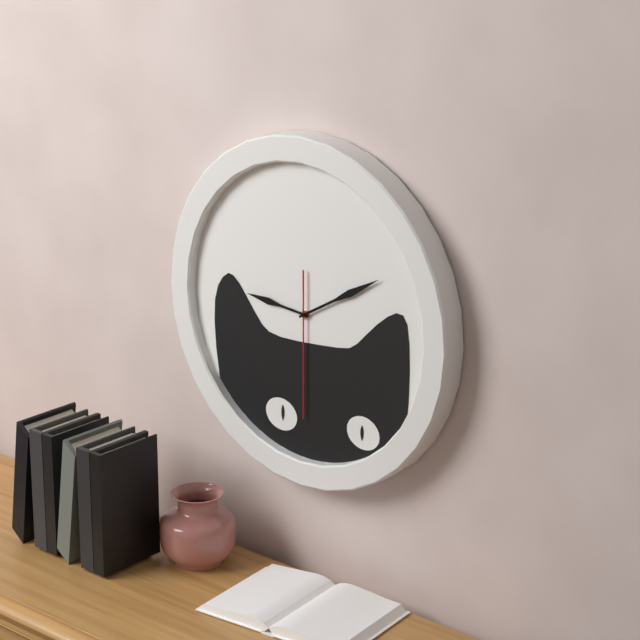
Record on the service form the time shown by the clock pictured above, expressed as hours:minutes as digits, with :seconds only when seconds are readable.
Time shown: 9:10:30
